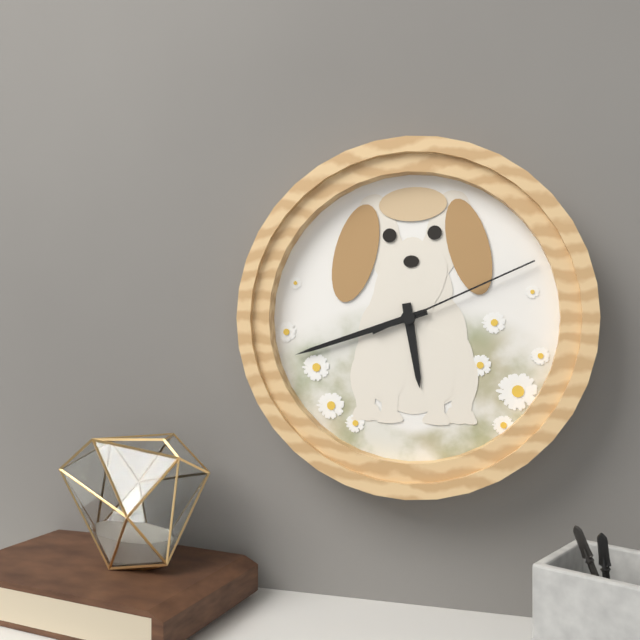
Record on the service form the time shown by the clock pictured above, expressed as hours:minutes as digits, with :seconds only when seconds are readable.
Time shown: 5:42:11
